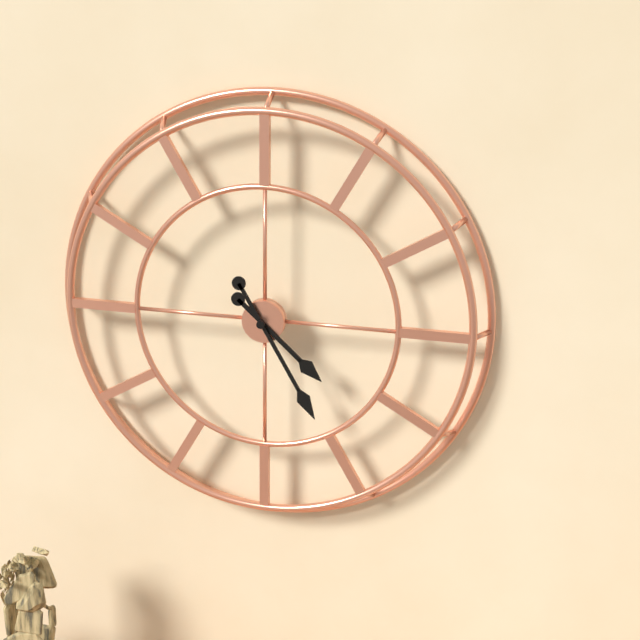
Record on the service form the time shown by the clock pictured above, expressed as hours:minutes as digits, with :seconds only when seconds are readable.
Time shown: 4:25
